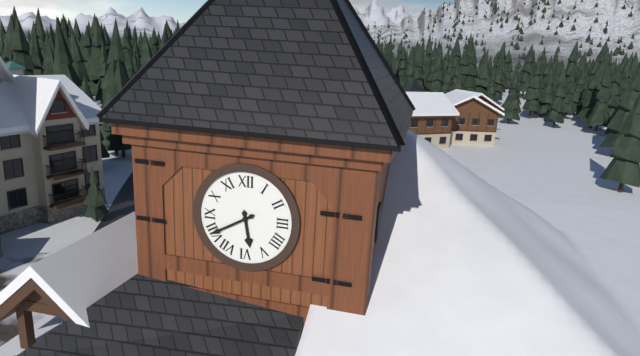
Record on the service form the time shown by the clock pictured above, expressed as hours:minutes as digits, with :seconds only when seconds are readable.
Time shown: 5:40
